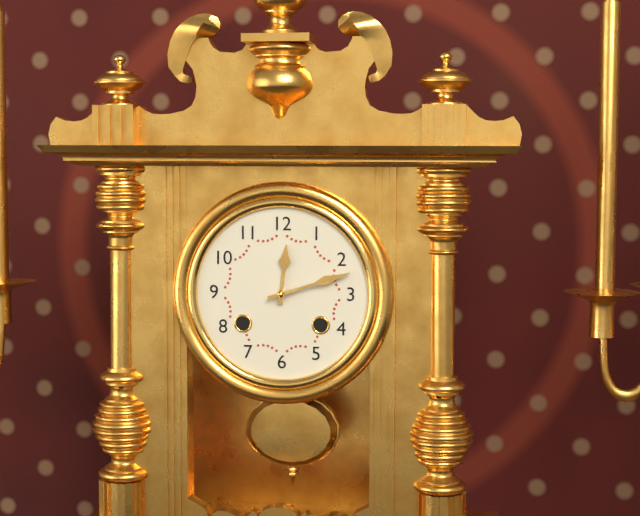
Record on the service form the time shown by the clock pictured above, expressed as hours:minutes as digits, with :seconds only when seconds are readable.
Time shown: 12:12
